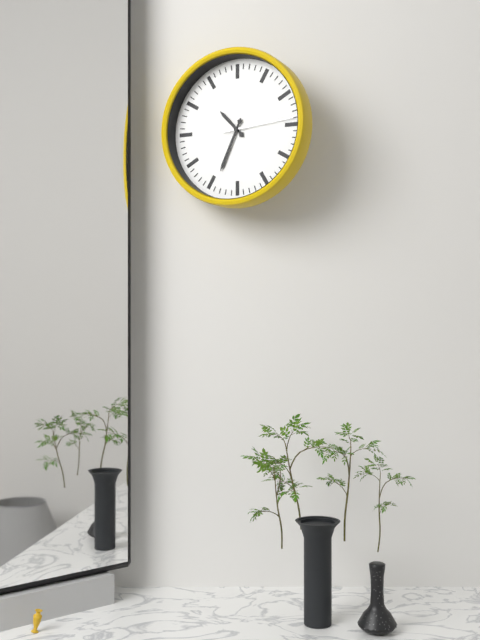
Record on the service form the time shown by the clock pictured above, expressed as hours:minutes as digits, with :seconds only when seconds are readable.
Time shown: 10:34:14
